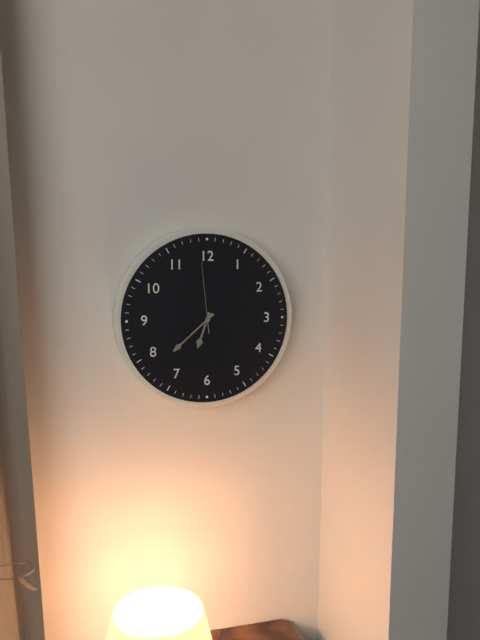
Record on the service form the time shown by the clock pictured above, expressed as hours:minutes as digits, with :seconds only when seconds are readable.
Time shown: 6:38:59
